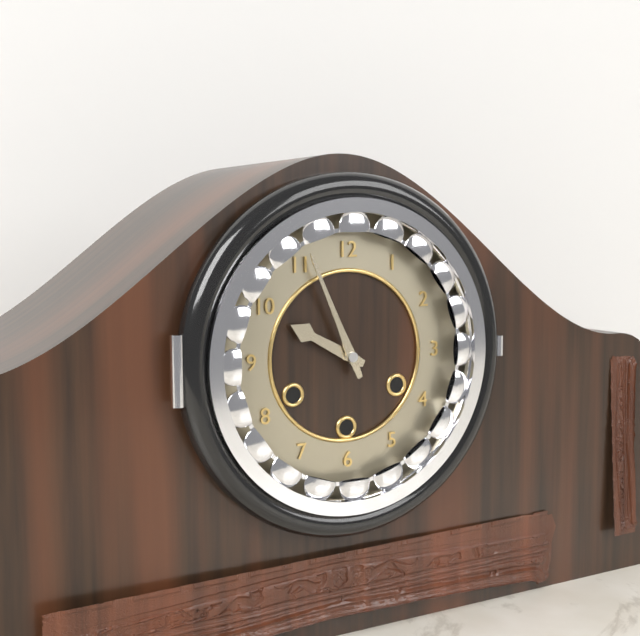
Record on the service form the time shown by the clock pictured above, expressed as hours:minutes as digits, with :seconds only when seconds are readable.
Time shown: 9:56
